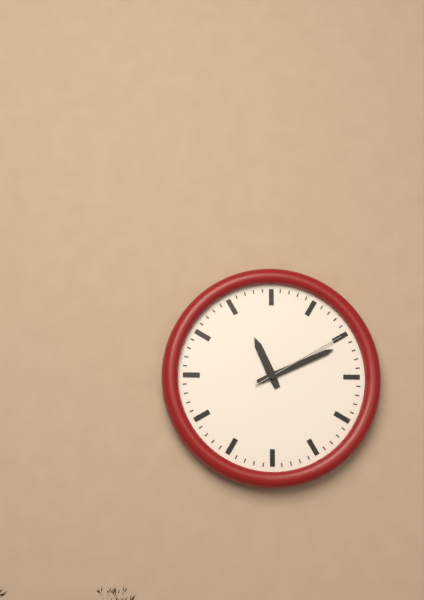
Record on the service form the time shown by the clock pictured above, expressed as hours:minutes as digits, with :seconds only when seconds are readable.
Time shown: 11:11:10
